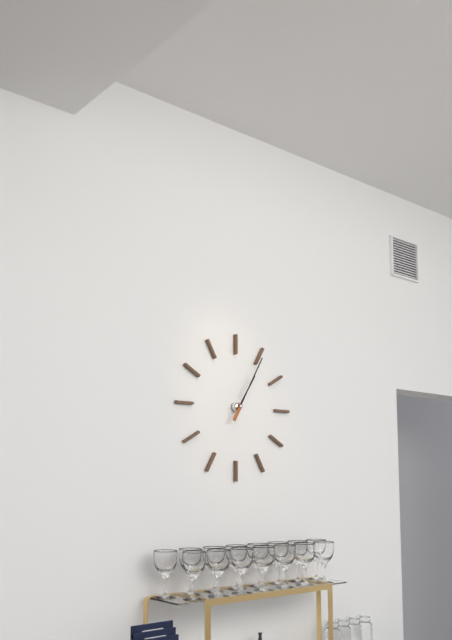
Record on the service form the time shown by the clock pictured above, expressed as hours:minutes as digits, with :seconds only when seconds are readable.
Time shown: 1:05
